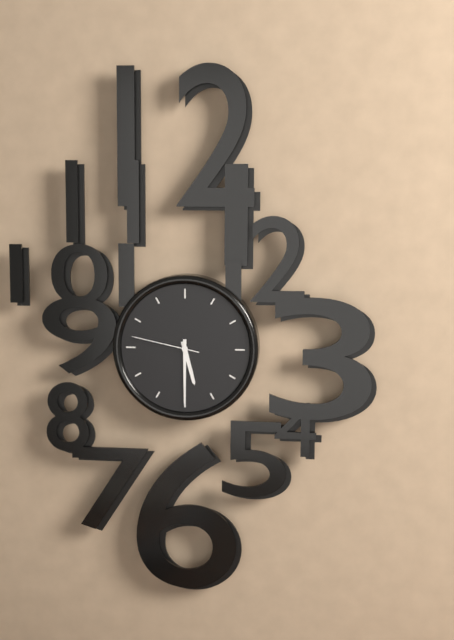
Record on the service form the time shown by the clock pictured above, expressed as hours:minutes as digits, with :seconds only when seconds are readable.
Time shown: 5:30:47
